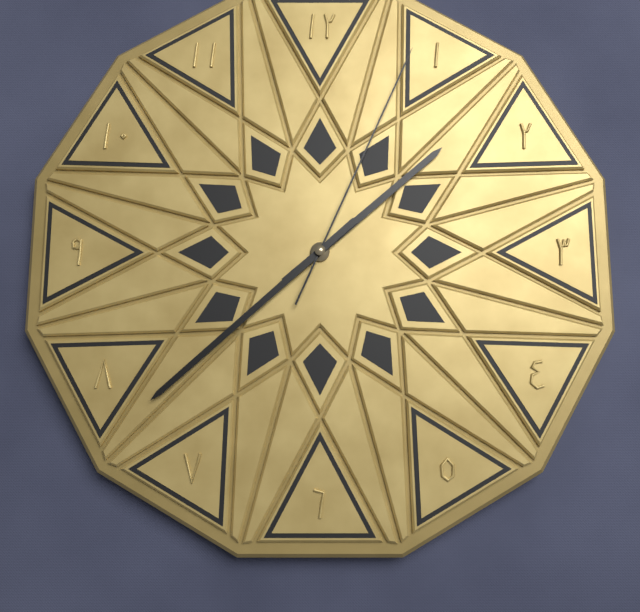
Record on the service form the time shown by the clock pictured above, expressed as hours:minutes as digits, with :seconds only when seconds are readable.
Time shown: 1:38:04
